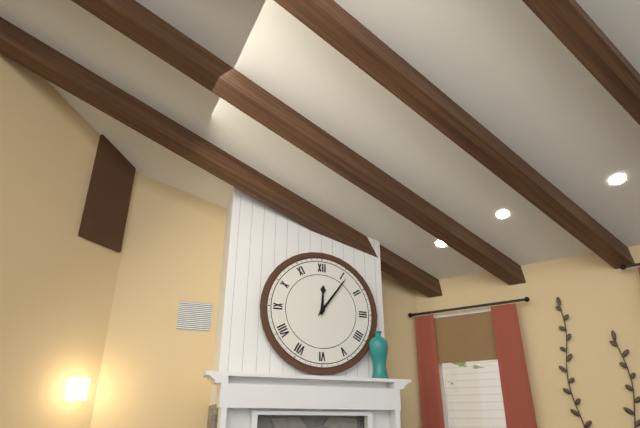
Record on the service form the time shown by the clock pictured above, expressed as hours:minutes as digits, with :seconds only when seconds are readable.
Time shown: 12:06
